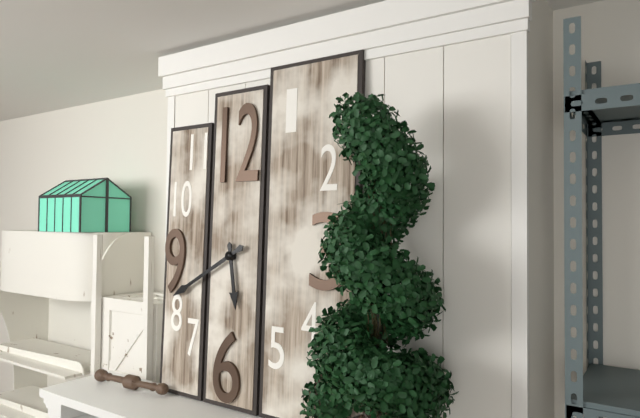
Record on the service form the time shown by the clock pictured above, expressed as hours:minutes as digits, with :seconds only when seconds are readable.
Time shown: 5:40
